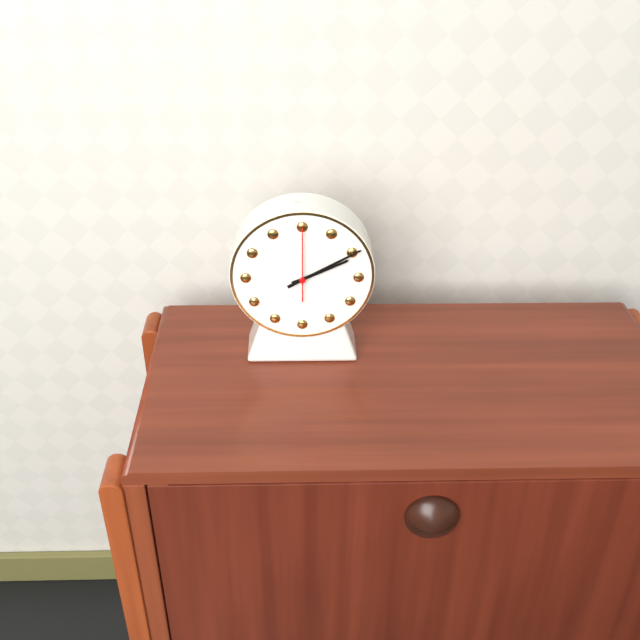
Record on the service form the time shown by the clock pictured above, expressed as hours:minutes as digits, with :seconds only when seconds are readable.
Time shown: 2:10:00
